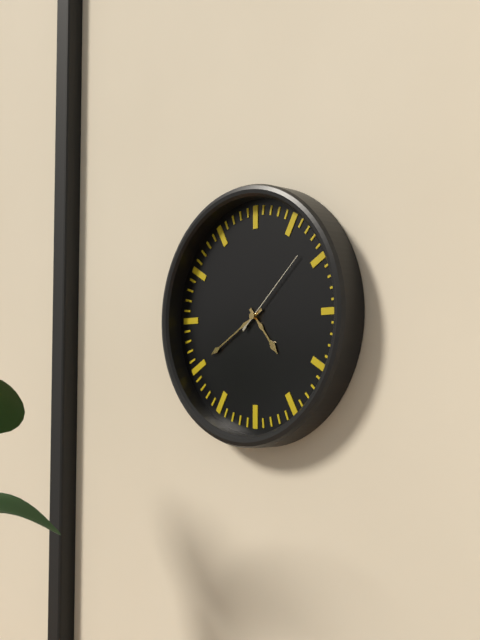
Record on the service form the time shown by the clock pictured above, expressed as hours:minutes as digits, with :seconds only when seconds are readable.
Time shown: 4:40:08
